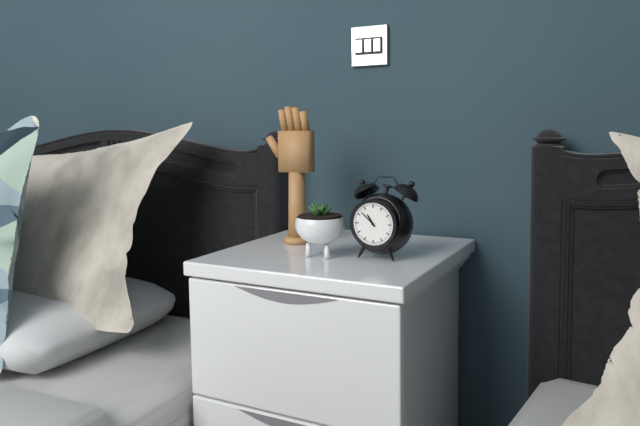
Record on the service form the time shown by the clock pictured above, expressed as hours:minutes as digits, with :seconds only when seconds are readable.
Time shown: 10:52
